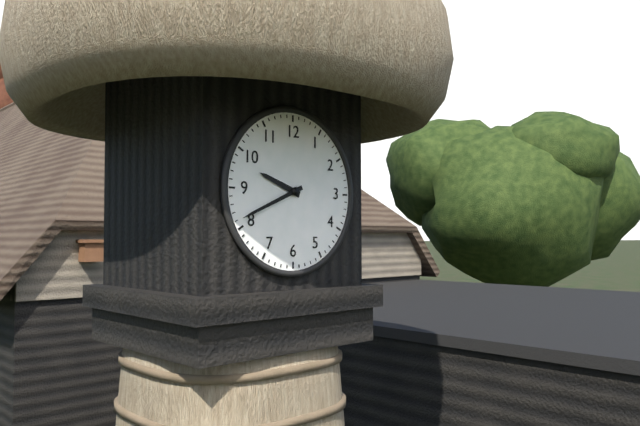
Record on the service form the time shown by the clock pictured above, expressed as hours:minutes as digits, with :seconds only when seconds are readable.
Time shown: 9:41
